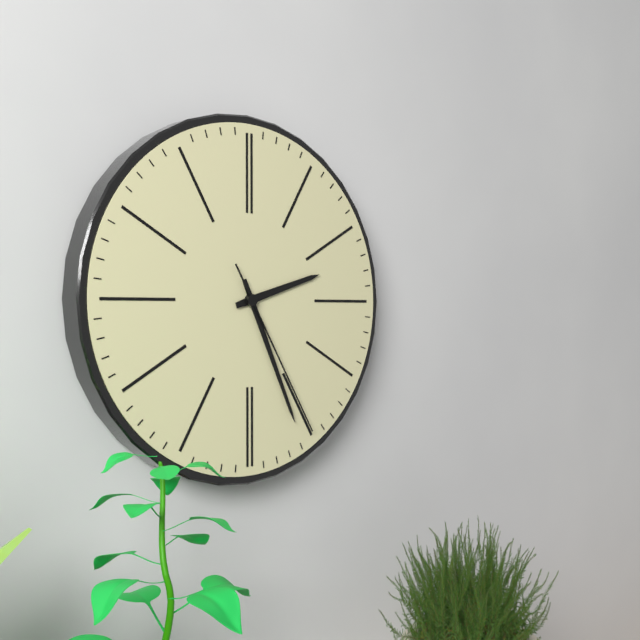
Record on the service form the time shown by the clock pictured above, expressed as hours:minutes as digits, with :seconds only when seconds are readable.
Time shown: 2:26:25
